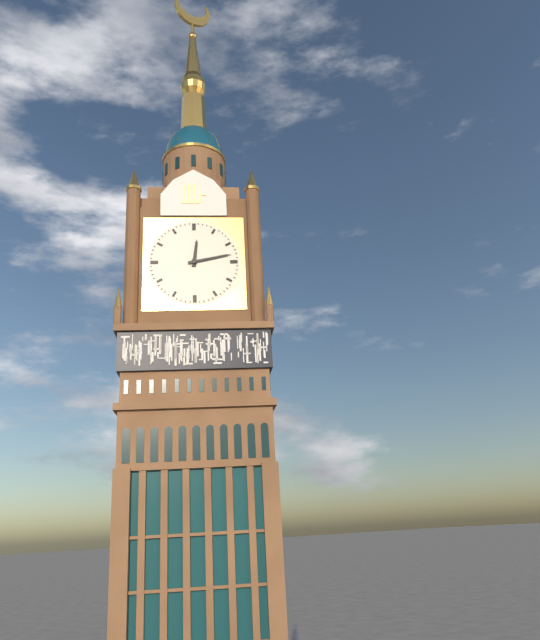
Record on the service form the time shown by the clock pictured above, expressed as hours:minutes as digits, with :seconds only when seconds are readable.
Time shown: 12:13
